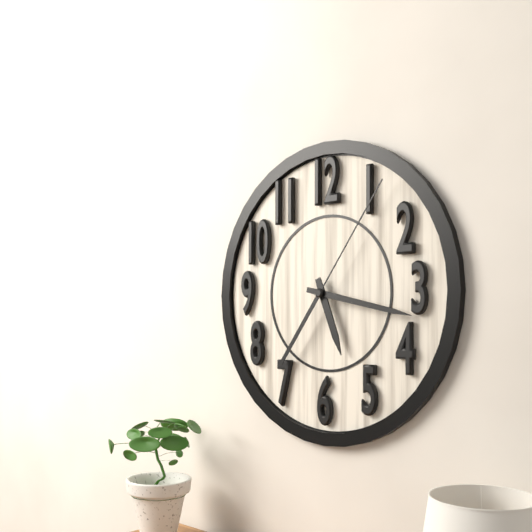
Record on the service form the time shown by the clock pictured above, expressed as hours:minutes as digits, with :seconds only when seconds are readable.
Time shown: 5:17:06
